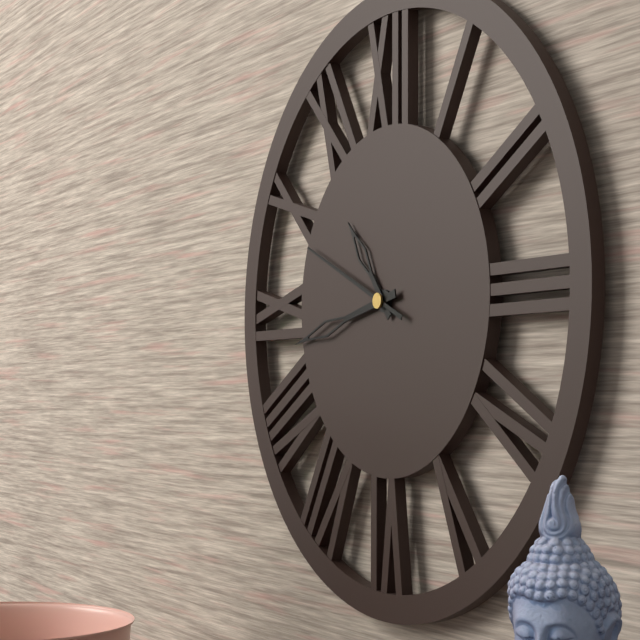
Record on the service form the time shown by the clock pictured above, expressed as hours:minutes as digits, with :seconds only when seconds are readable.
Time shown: 10:43:49
